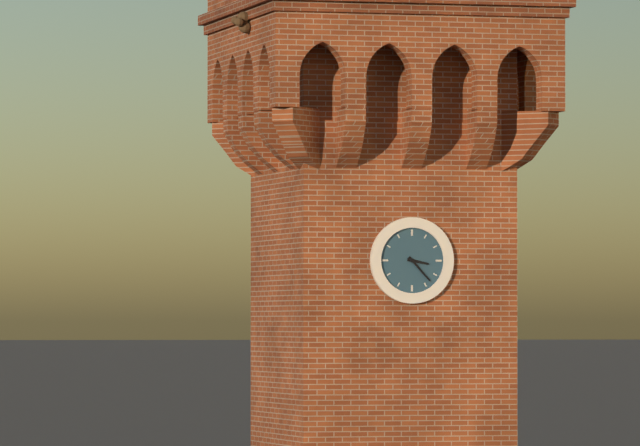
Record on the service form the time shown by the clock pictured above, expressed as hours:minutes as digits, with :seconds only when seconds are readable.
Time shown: 3:23
